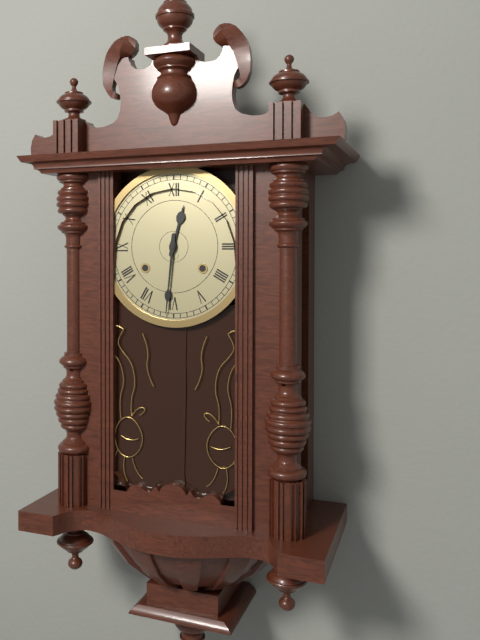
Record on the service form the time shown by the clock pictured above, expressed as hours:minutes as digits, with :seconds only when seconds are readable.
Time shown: 12:31
